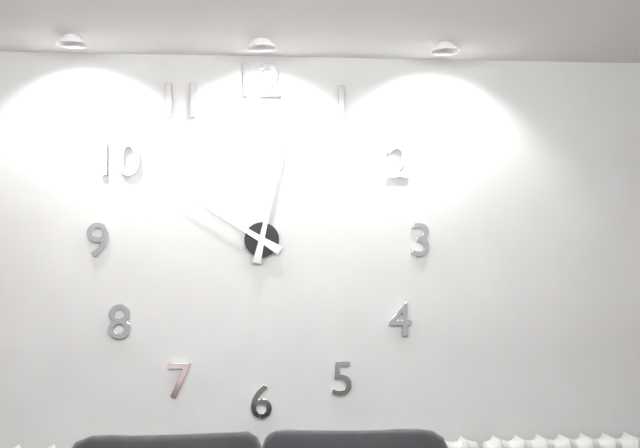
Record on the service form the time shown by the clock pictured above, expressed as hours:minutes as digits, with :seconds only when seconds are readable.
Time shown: 10:02
